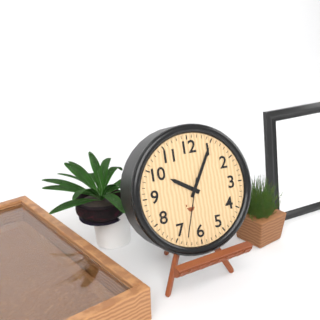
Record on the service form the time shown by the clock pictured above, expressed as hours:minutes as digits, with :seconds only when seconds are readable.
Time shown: 10:05:33
